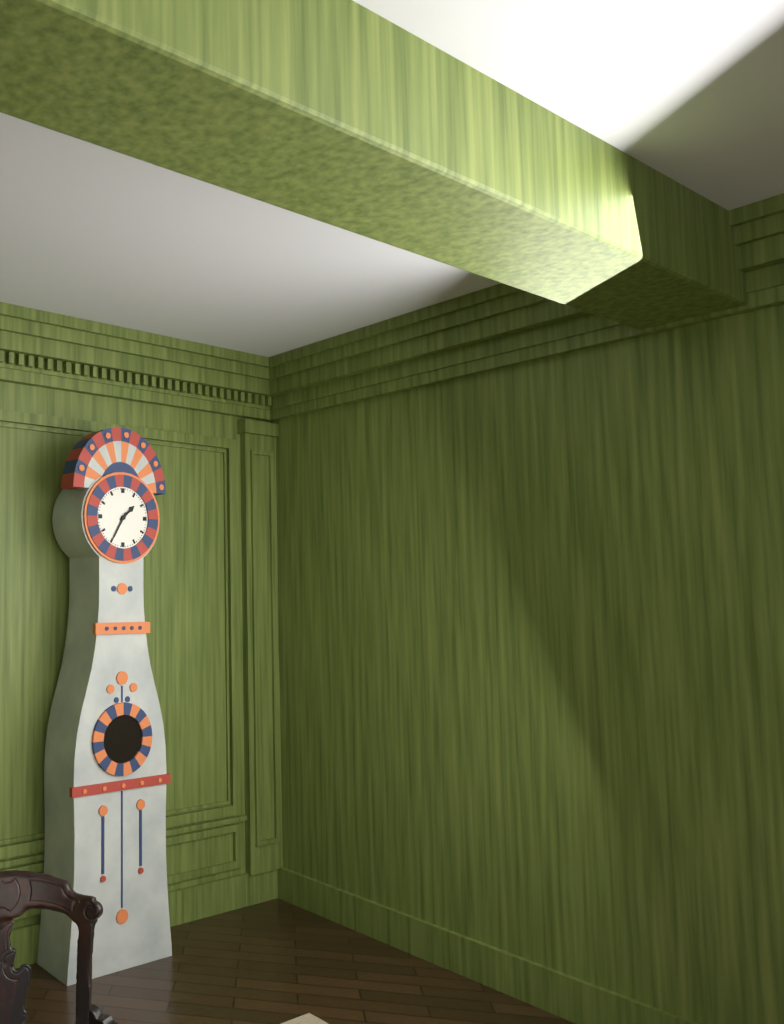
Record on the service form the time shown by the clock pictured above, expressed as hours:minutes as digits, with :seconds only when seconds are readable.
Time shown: 1:35
